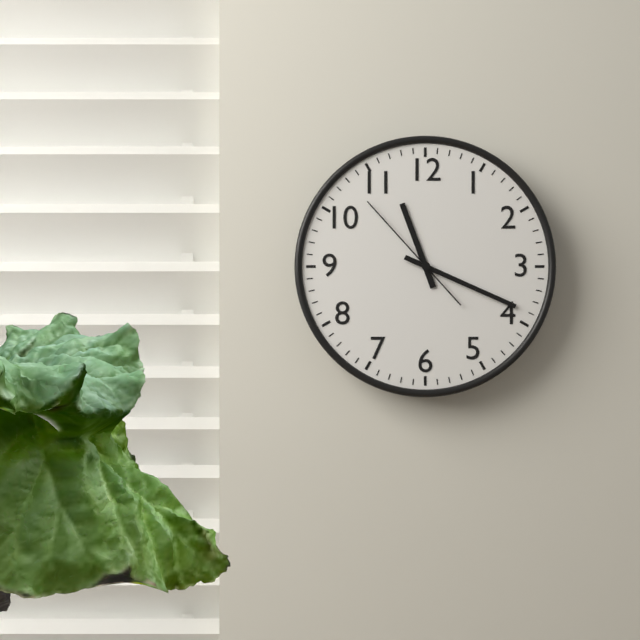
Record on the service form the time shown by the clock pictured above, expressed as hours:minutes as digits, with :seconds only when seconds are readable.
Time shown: 11:19:53
